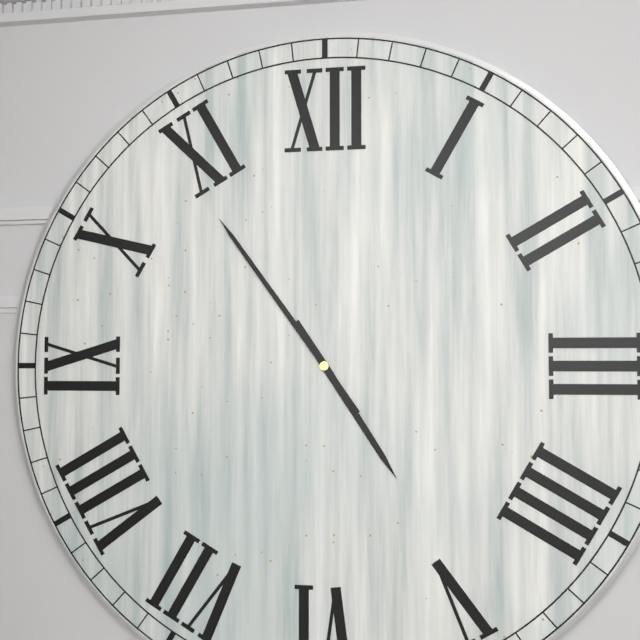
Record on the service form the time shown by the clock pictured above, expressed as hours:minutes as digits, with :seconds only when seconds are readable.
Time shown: 4:54
